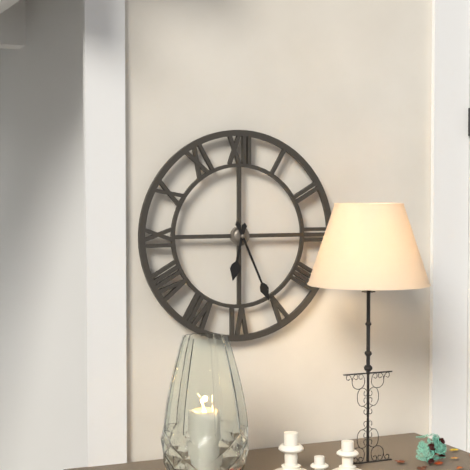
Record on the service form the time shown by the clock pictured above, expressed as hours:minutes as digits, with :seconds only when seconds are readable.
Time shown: 6:26
